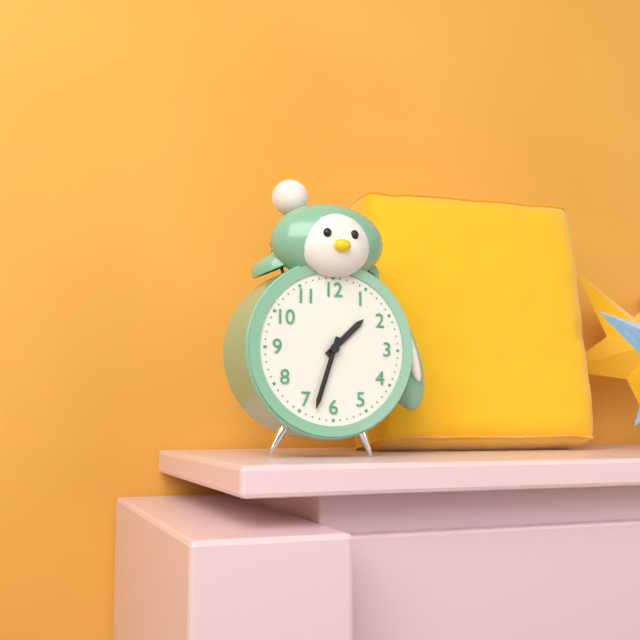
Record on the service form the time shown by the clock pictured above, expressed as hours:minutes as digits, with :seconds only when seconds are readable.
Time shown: 1:33
